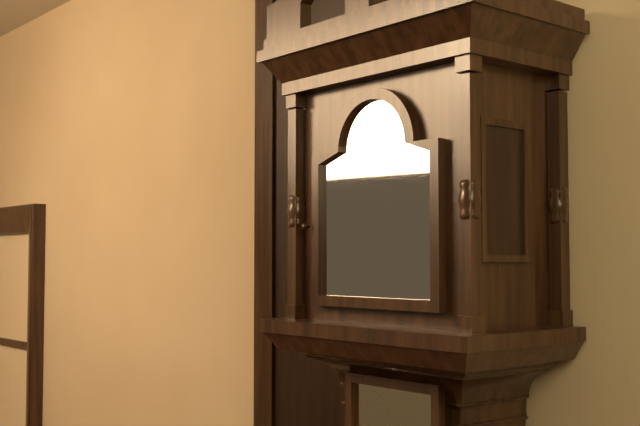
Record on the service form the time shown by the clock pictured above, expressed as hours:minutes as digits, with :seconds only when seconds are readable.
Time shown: 2:58
